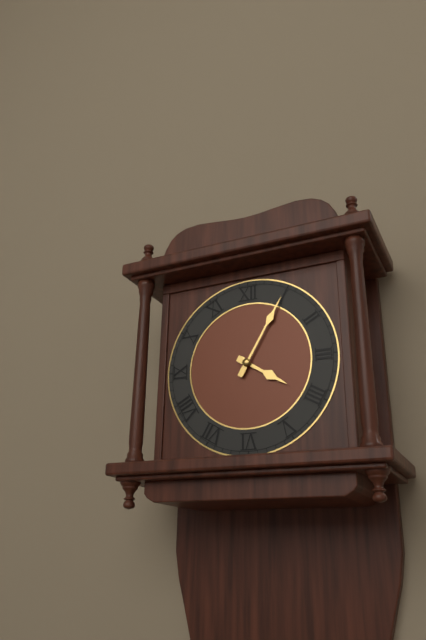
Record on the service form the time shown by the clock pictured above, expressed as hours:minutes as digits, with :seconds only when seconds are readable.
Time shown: 4:05
